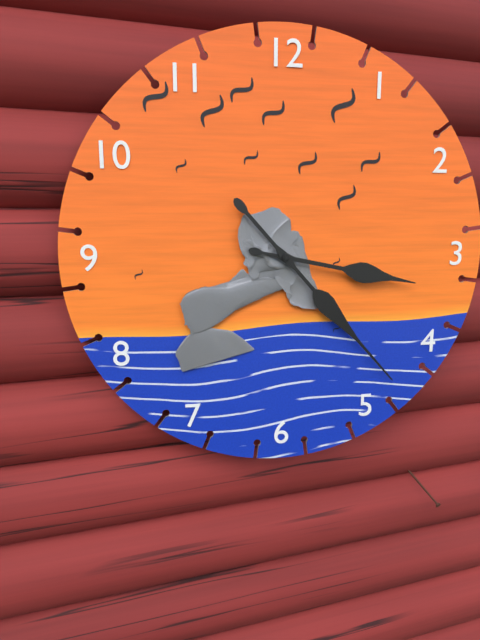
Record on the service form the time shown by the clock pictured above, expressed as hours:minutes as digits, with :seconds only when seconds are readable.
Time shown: 3:23
